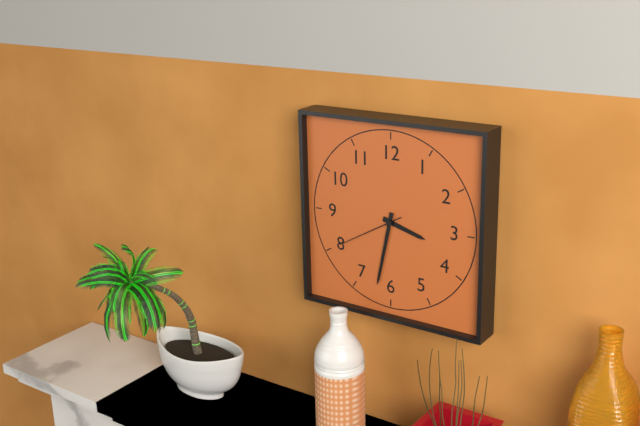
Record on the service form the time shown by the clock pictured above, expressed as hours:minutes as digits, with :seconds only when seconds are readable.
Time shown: 3:32:40
